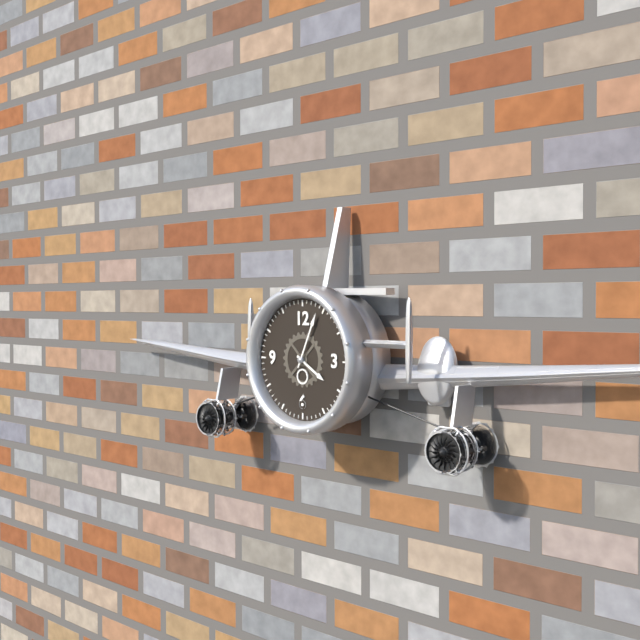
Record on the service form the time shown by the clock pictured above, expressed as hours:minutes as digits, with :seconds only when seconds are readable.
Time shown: 4:04
